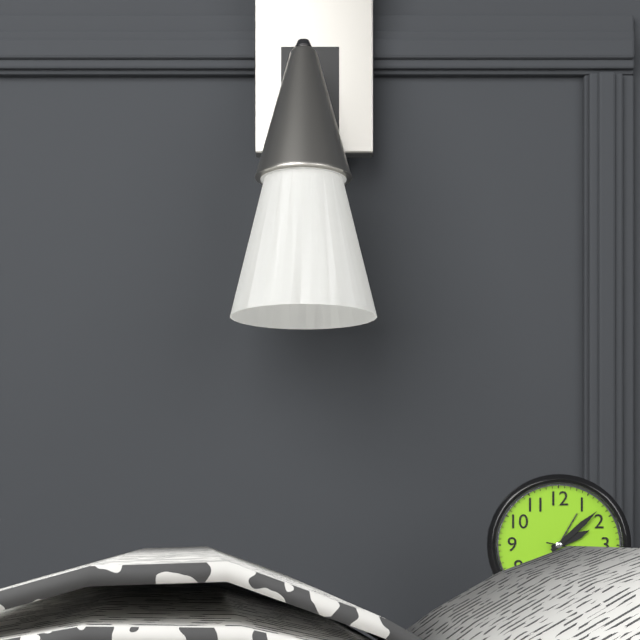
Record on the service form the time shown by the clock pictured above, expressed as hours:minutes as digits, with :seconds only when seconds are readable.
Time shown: 2:08
